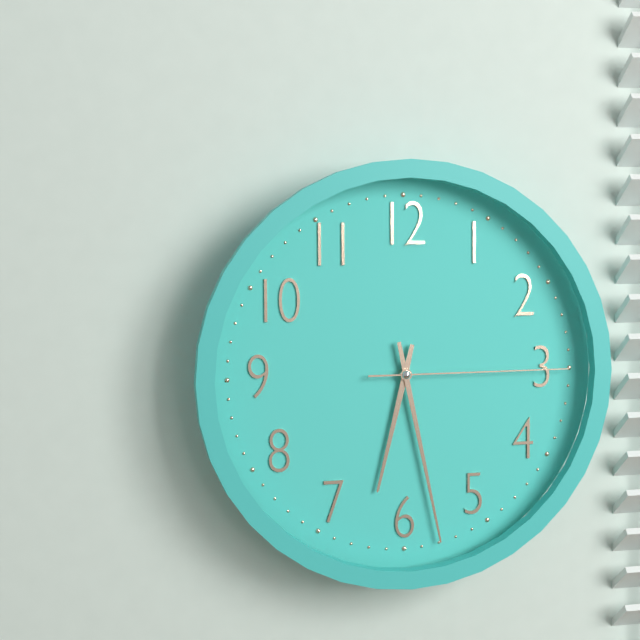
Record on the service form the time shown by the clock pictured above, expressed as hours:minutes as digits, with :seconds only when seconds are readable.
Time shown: 6:28:15
